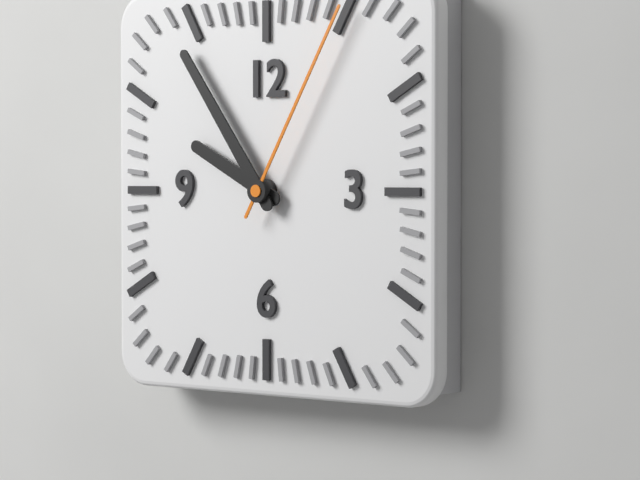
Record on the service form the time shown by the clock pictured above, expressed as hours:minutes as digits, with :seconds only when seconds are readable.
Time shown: 9:54:05
